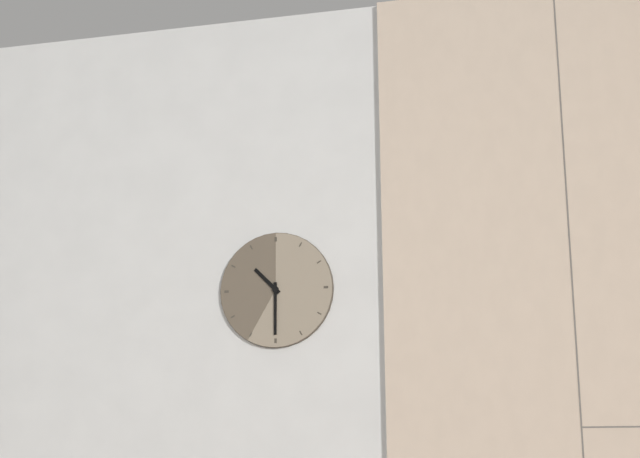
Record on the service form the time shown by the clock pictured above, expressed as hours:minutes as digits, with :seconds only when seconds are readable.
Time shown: 10:30
